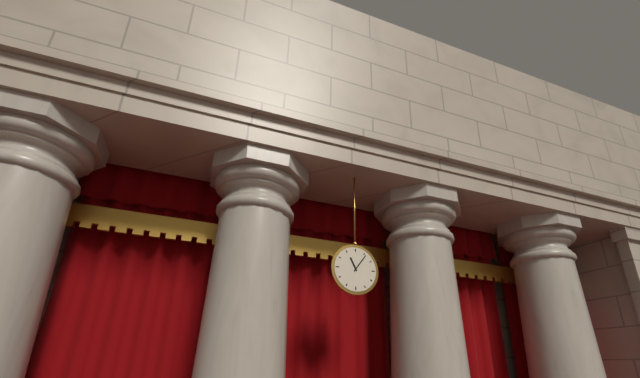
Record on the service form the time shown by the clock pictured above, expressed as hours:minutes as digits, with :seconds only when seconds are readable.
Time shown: 11:06
